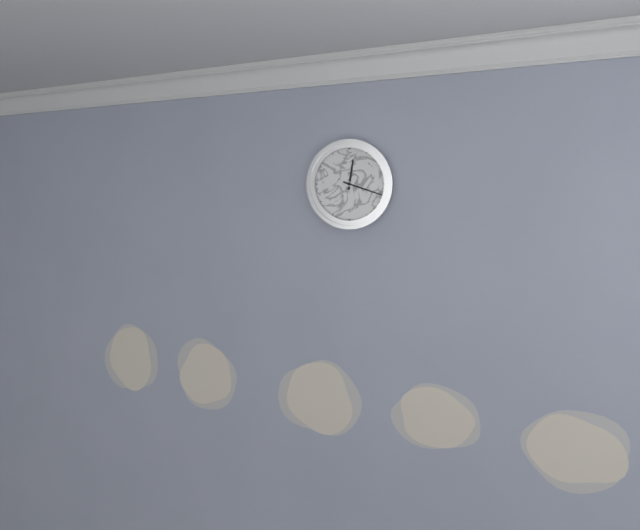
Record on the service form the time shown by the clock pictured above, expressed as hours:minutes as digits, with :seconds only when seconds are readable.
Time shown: 12:18
